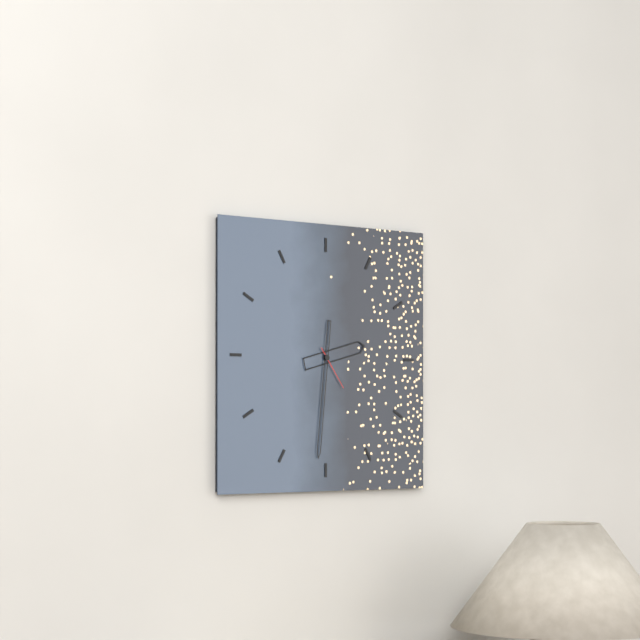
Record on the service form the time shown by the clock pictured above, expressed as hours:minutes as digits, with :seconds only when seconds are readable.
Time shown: 2:31
